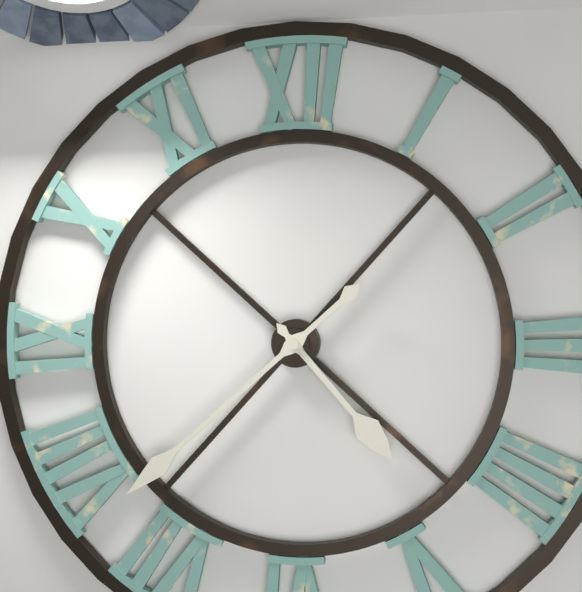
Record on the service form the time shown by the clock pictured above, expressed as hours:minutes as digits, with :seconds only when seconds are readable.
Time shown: 4:38
